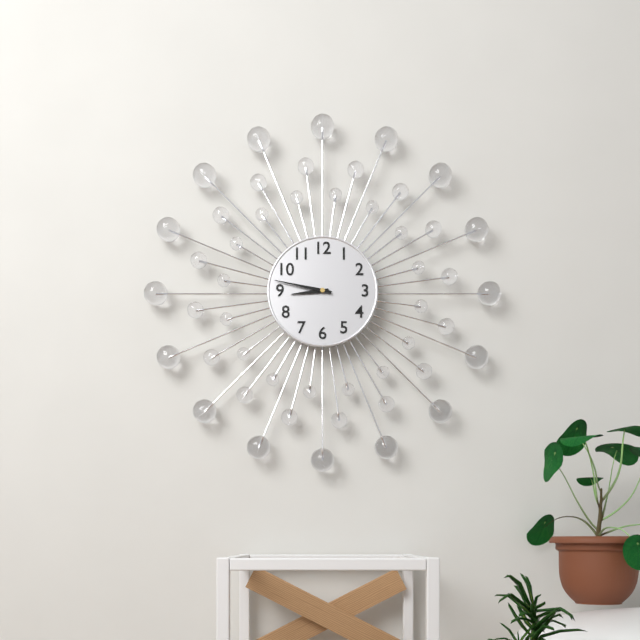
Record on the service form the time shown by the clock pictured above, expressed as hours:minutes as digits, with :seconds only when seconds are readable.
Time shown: 8:47
